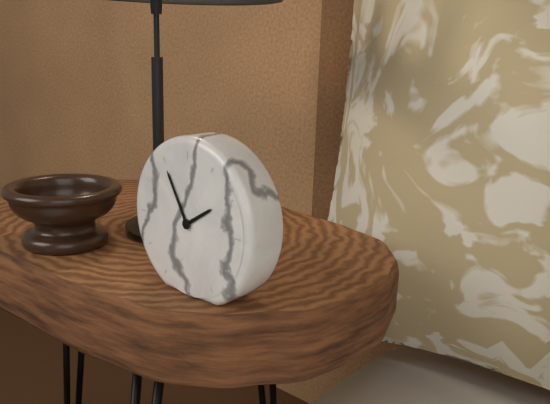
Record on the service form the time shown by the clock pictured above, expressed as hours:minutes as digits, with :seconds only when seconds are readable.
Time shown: 1:55
